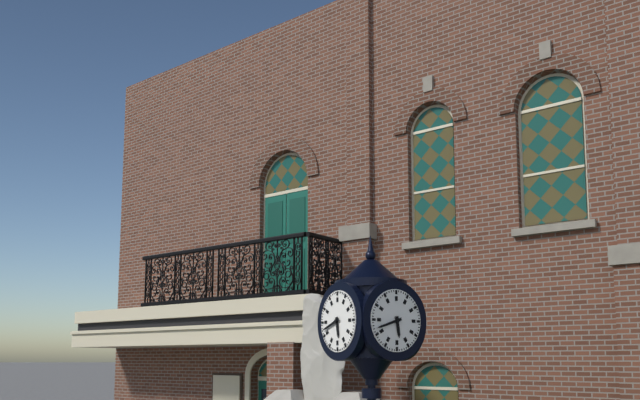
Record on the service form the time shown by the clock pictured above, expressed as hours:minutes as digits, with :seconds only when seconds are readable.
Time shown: 5:42
